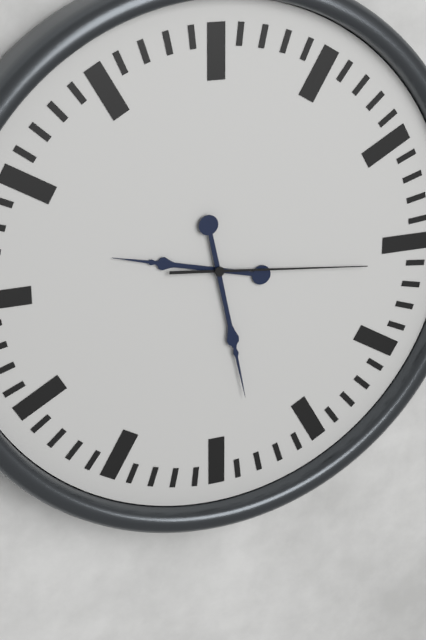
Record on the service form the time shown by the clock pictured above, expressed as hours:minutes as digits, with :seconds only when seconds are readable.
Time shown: 9:28:16
